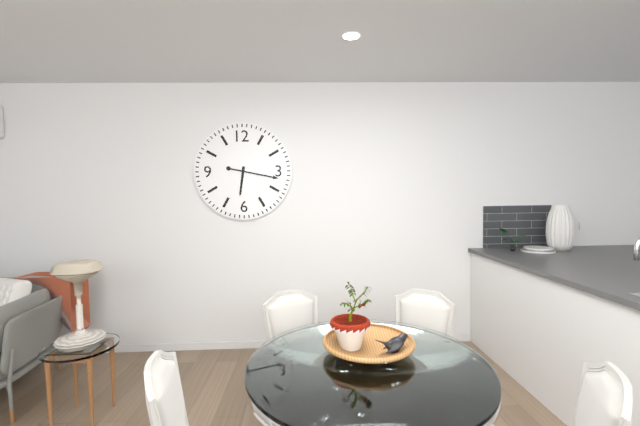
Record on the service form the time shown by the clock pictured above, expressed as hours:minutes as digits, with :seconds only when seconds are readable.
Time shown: 6:17
